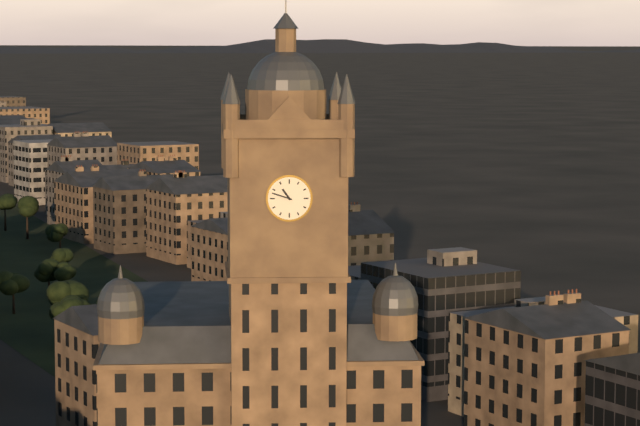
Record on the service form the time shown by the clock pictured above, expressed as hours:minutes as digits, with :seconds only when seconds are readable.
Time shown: 10:48
